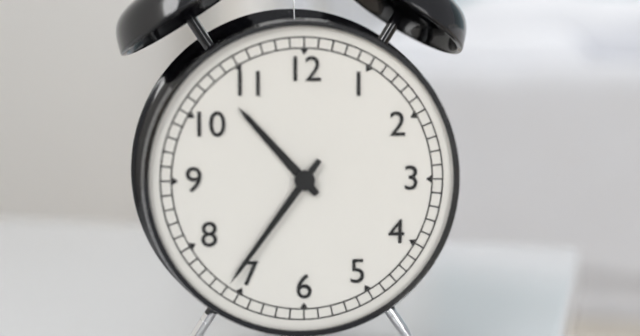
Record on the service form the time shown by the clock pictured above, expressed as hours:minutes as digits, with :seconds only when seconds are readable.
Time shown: 10:36
